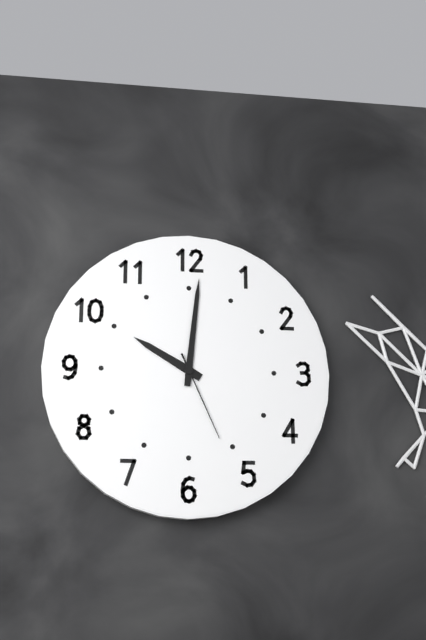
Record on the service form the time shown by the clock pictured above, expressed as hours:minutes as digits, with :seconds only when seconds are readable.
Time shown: 10:01:26
